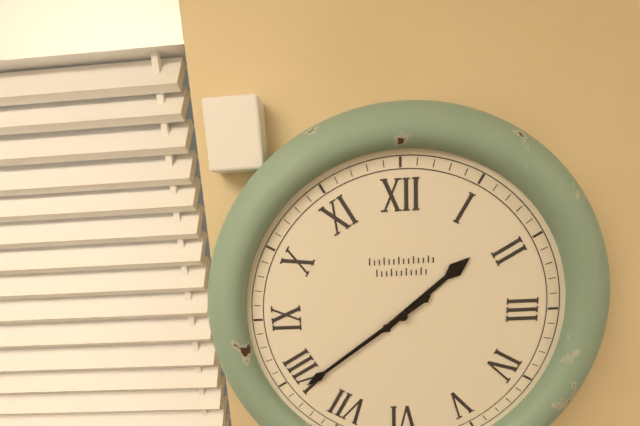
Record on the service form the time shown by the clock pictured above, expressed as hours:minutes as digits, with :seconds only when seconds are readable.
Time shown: 1:39
